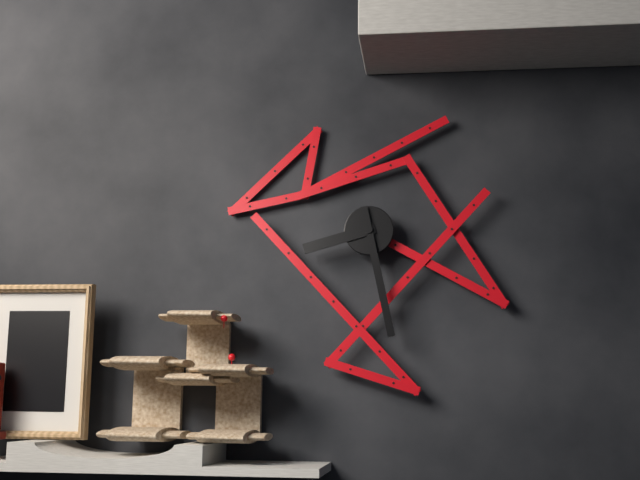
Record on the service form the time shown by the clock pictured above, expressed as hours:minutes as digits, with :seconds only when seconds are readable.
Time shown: 8:28
